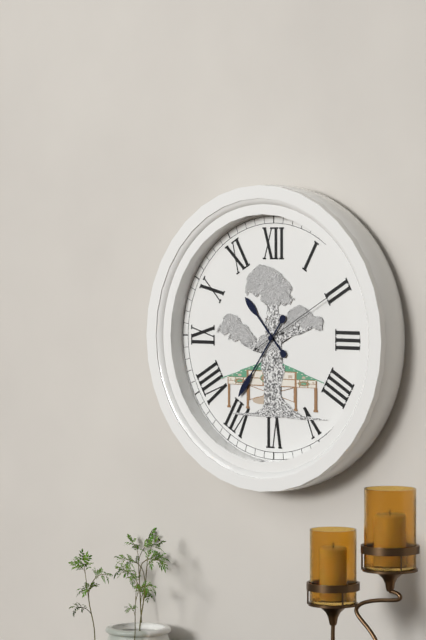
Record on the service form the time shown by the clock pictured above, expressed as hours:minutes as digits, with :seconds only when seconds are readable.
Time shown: 10:36:10
